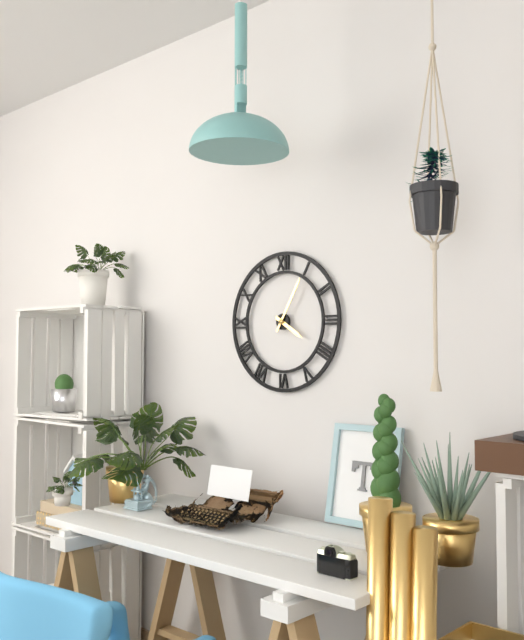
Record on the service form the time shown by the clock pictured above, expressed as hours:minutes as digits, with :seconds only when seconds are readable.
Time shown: 4:05
